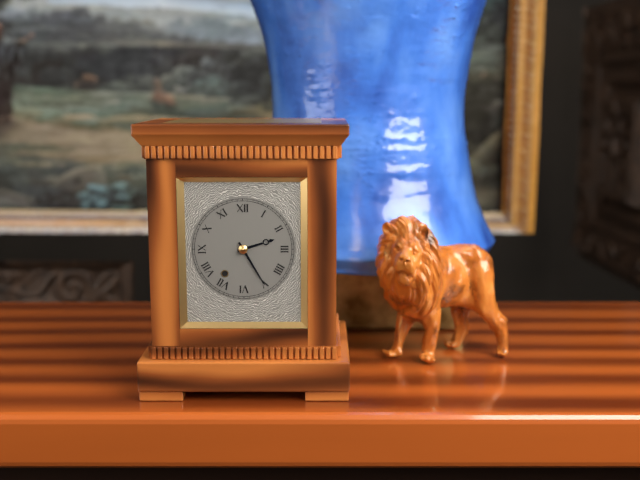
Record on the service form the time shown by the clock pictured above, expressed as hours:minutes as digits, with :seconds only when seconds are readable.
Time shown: 2:25
